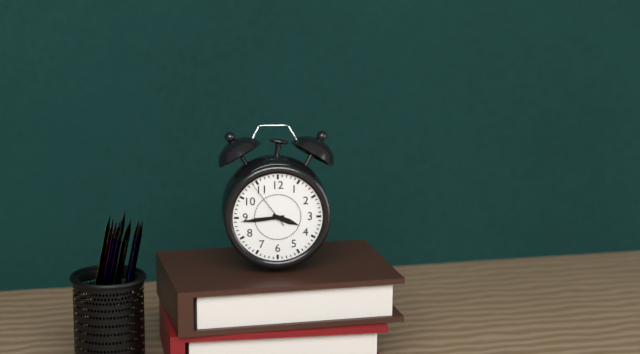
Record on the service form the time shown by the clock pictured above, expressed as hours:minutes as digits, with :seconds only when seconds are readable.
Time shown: 3:44:54
